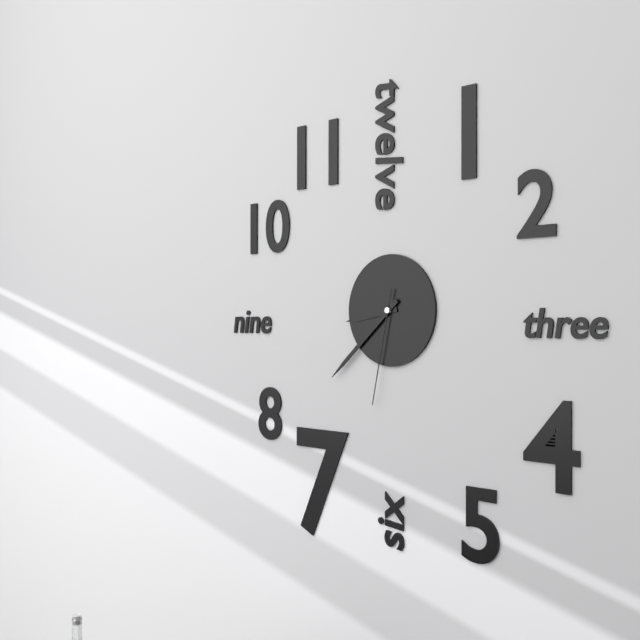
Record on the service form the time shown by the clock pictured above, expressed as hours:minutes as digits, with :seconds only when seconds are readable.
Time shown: 8:38:32
